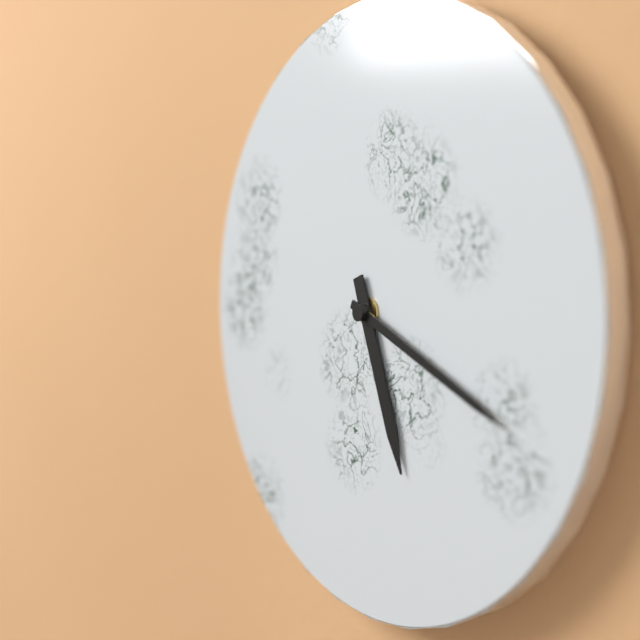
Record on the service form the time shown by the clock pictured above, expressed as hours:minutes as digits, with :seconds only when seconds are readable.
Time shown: 5:19
